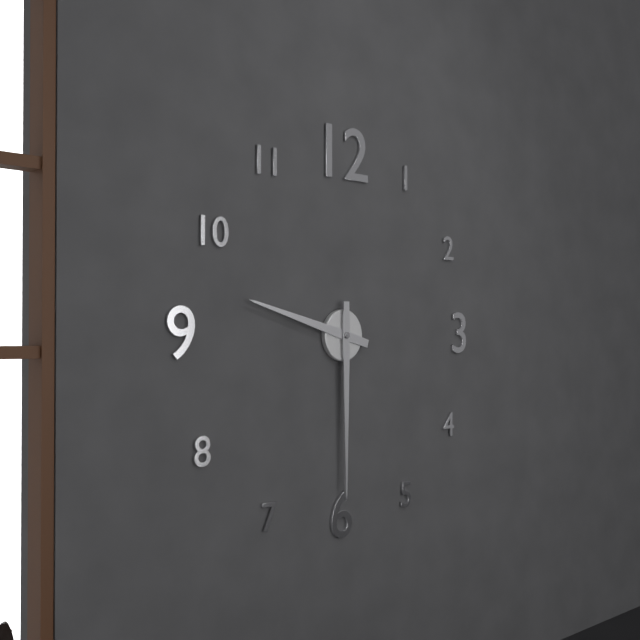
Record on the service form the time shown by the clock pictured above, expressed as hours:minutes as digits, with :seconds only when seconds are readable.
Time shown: 9:30
